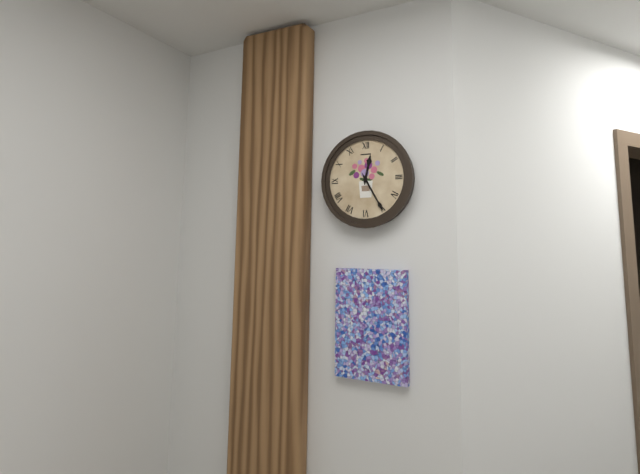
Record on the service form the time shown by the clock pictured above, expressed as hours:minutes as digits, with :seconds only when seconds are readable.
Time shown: 12:25
